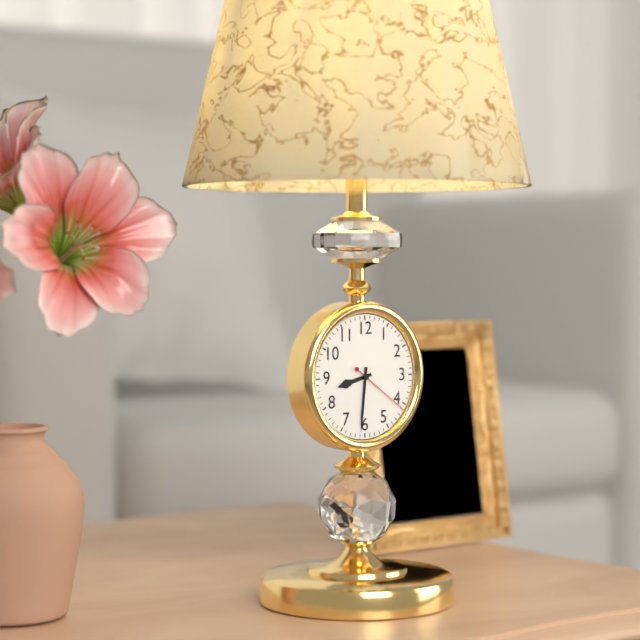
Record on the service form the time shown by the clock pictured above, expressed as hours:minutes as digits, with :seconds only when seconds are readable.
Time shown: 8:31:21
